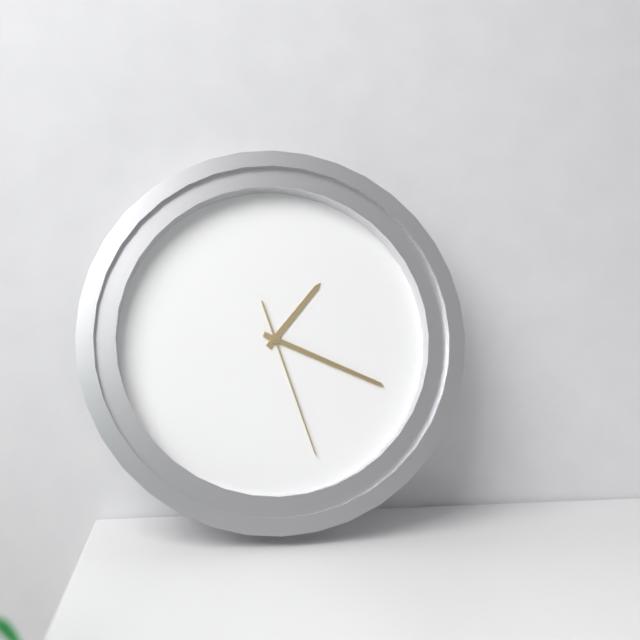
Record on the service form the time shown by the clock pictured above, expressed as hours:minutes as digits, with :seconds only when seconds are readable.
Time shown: 1:19:27
